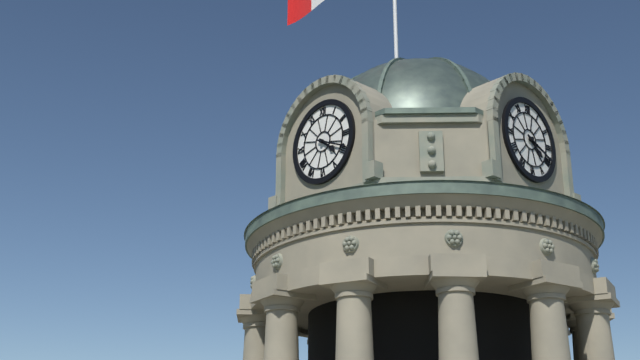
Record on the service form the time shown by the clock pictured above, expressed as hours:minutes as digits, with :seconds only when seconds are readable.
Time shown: 4:19
